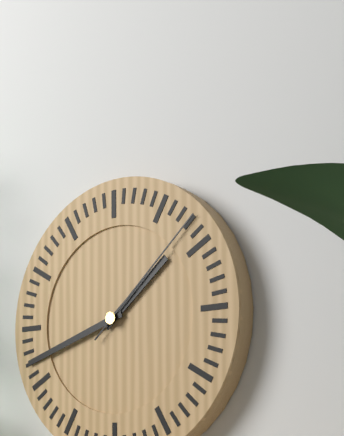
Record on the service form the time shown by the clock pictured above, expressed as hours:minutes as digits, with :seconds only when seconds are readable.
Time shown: 1:42:08
